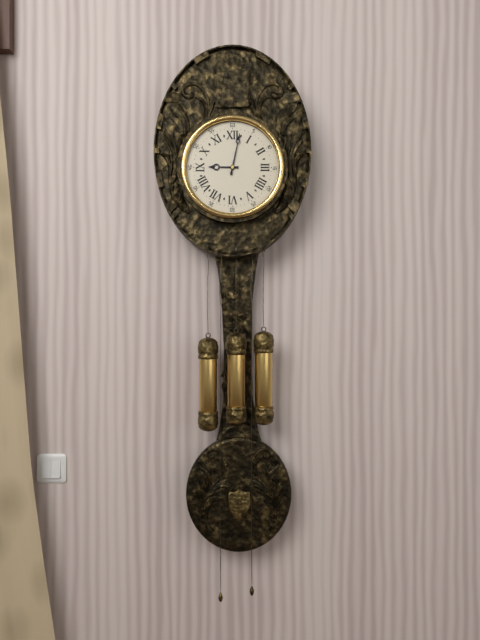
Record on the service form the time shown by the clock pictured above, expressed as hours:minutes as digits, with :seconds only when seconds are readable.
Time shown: 9:02
